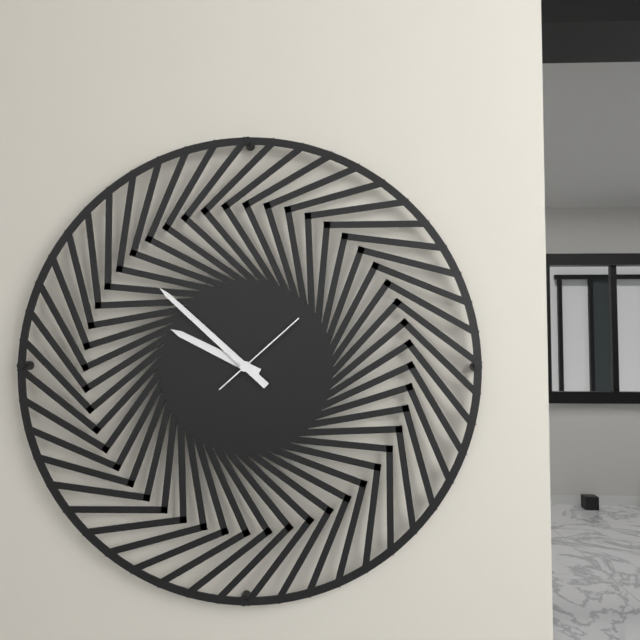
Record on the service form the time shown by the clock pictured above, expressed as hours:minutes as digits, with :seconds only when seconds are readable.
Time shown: 9:52:08
